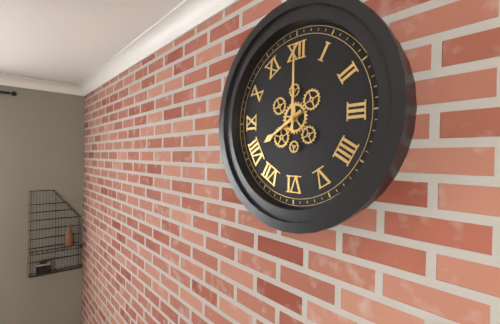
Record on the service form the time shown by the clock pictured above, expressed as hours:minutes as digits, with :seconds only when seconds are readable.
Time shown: 8:00
